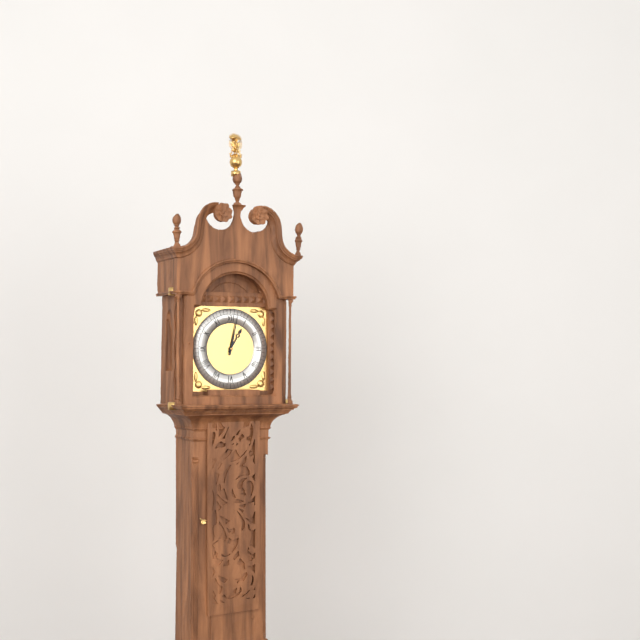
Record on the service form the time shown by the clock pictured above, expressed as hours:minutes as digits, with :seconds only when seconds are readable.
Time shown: 1:02
